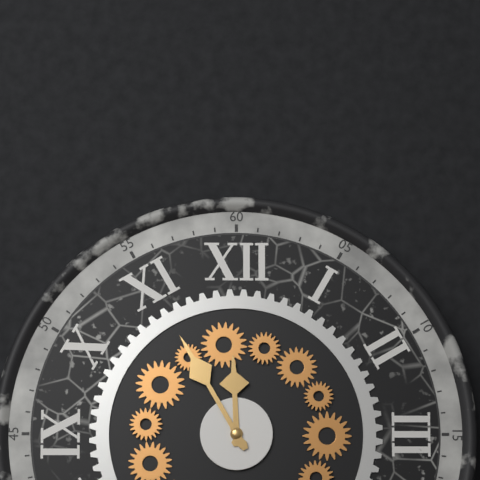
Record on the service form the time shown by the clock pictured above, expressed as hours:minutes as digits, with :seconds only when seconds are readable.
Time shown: 11:55
